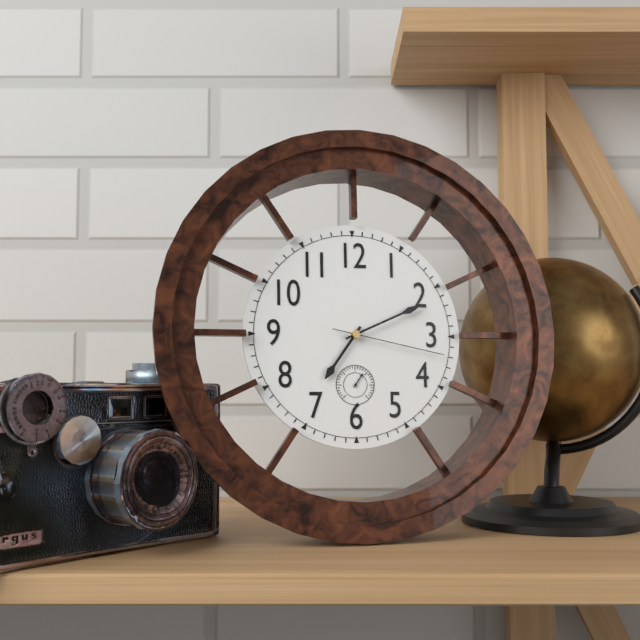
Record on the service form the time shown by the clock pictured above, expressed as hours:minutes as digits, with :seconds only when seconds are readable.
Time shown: 7:11:17
